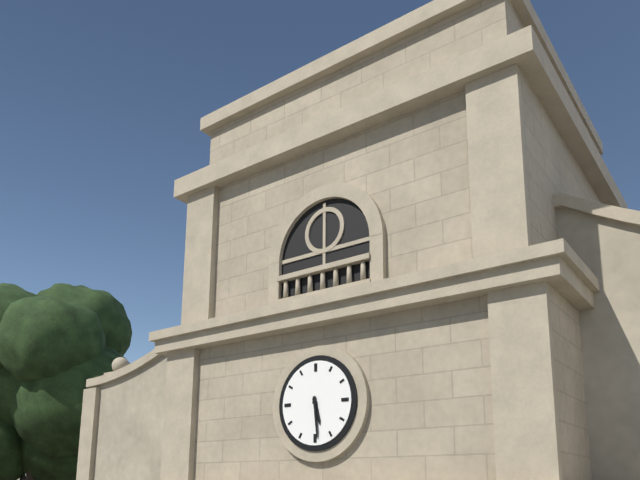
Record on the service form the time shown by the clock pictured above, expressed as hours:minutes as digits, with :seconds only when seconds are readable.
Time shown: 5:29
